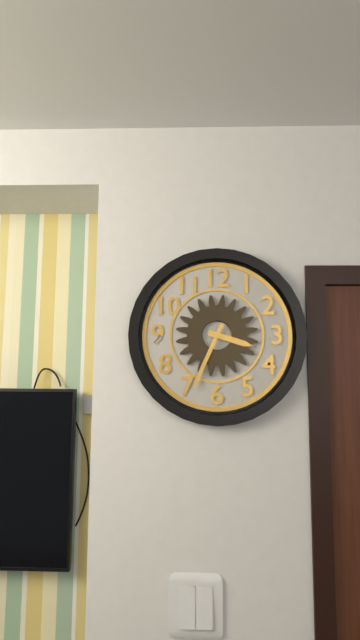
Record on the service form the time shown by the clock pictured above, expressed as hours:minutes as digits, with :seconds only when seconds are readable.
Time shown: 3:34
